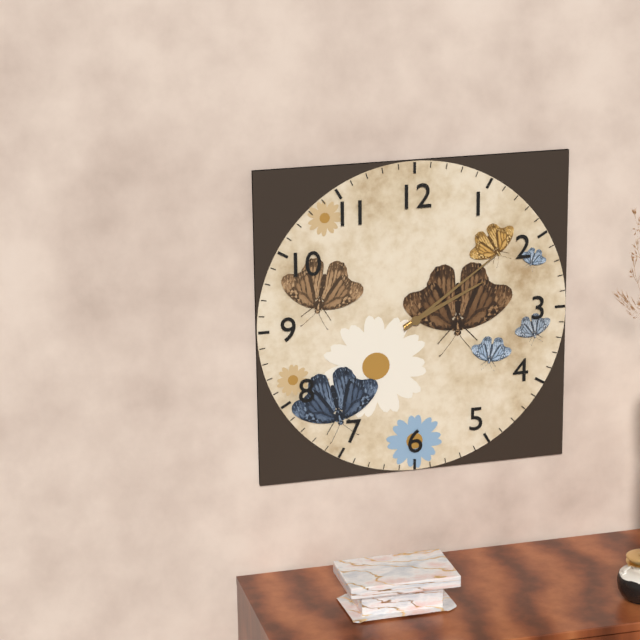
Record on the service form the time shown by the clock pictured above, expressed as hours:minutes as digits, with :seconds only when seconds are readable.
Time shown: 2:09
